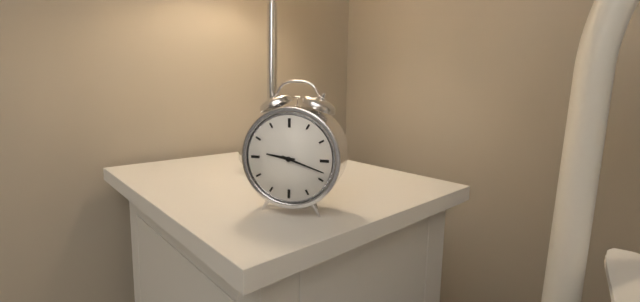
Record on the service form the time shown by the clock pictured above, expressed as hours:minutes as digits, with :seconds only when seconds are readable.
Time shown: 9:18
